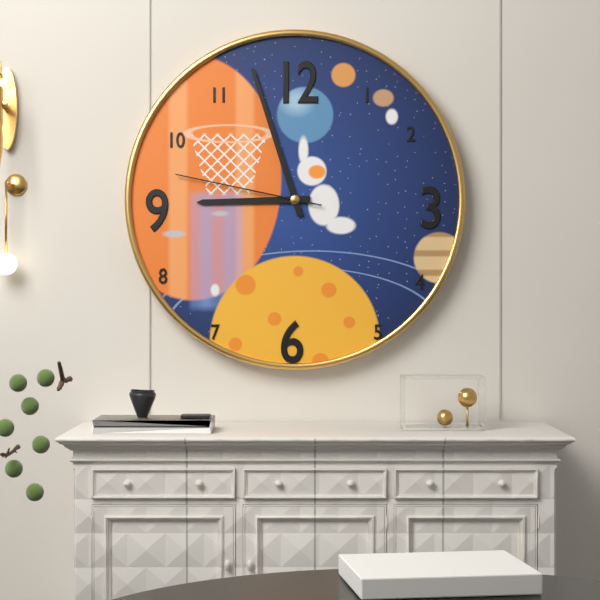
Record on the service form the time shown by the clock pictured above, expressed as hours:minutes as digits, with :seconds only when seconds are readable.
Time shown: 8:57:47
